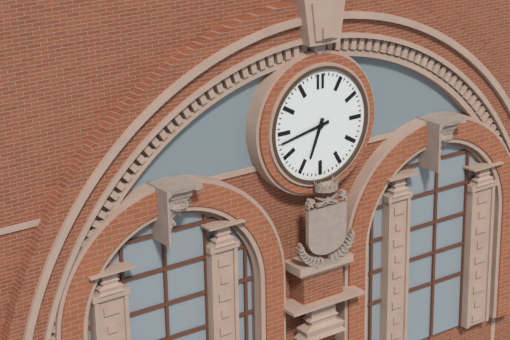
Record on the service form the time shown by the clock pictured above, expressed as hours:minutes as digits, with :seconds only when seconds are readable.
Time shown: 6:43
